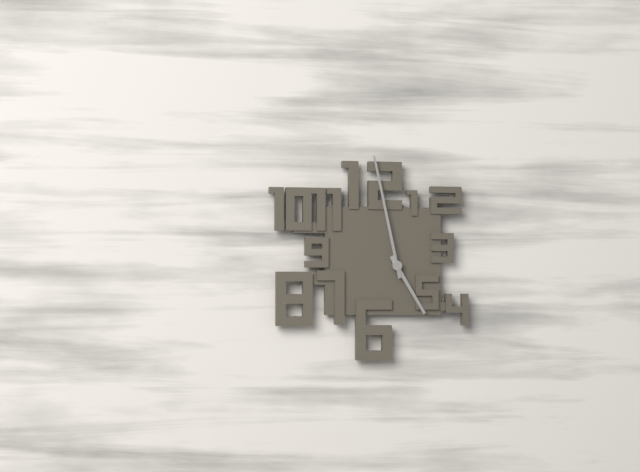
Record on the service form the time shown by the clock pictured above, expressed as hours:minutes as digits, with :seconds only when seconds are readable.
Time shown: 4:58
